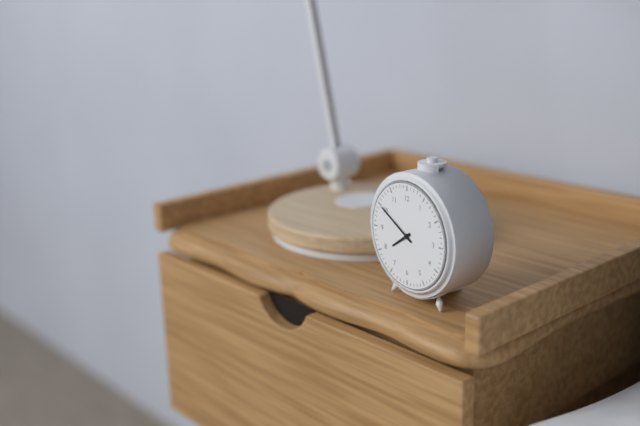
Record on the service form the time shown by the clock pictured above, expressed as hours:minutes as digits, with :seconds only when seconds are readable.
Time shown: 7:50
